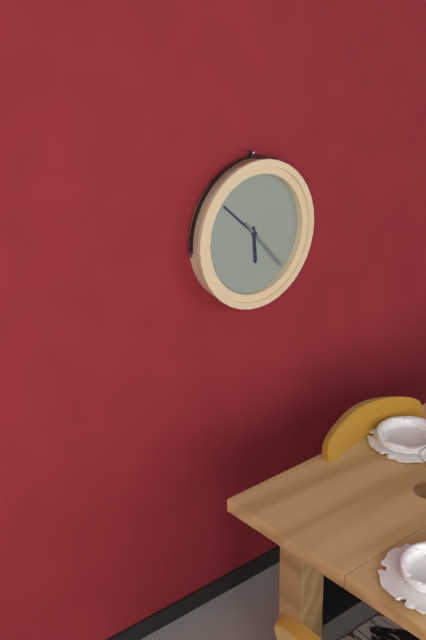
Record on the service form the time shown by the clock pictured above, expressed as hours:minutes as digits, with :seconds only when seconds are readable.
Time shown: 5:52:23
